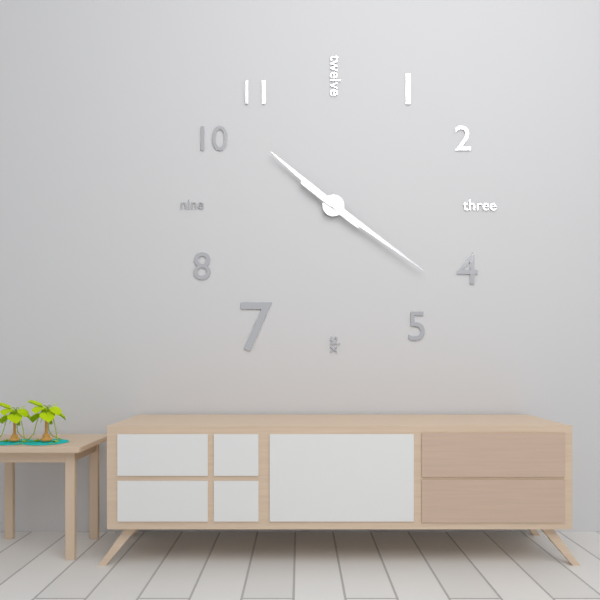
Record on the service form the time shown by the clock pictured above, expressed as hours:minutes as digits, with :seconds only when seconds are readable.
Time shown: 10:21
